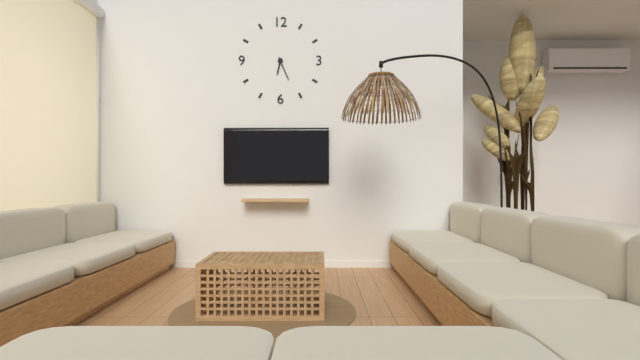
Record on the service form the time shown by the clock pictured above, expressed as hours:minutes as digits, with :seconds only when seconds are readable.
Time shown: 6:26
